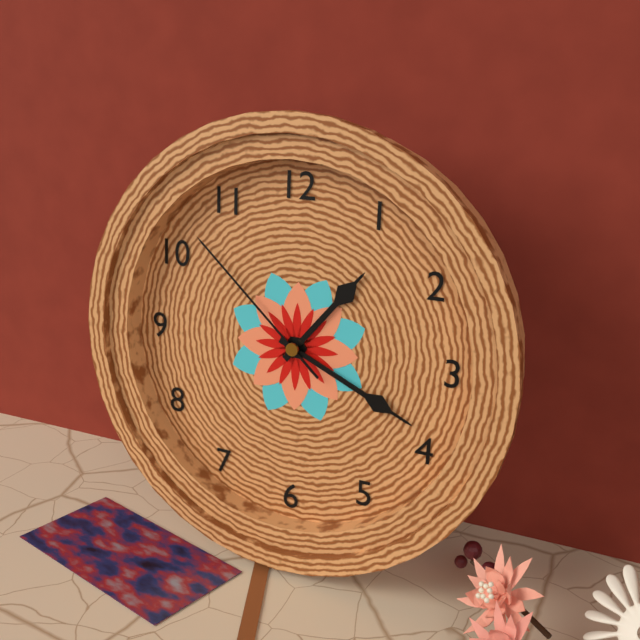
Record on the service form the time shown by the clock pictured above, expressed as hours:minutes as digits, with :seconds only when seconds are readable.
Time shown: 1:19:52
